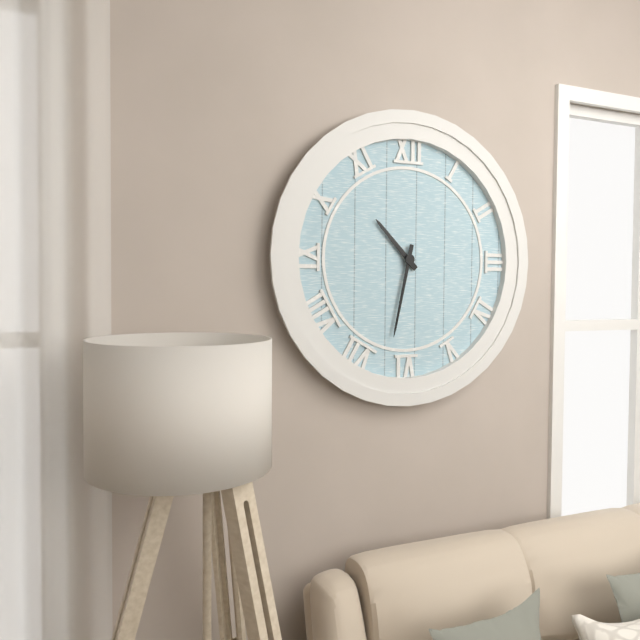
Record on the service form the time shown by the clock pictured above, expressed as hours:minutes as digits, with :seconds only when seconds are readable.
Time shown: 10:32
